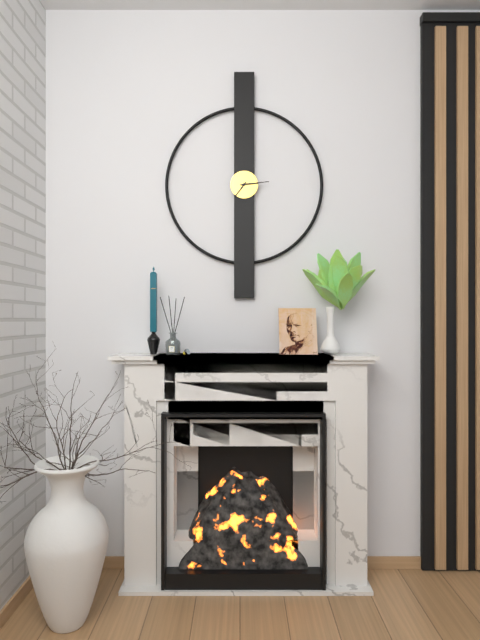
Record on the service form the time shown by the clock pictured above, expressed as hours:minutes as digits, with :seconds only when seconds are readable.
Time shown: 7:14
